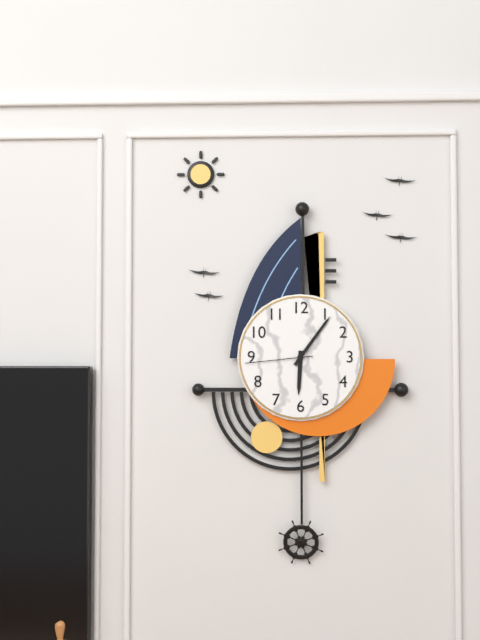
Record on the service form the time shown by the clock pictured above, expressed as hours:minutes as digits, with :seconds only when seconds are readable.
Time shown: 6:06:44
